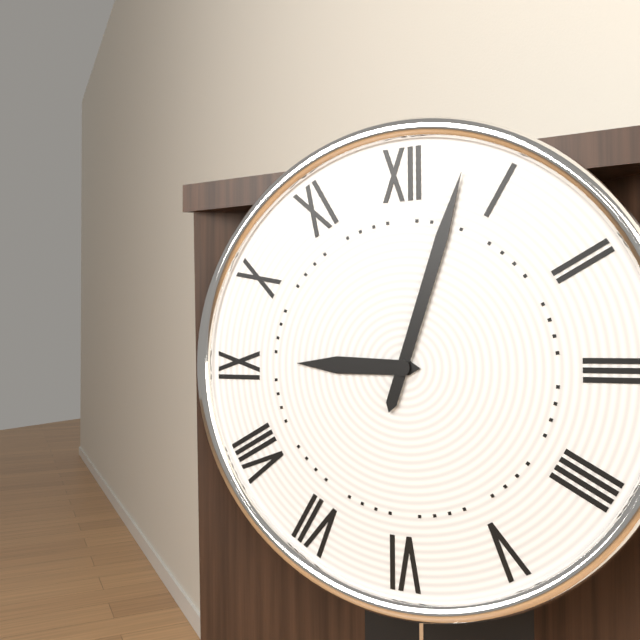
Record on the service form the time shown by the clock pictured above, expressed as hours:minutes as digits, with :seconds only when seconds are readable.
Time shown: 9:03
